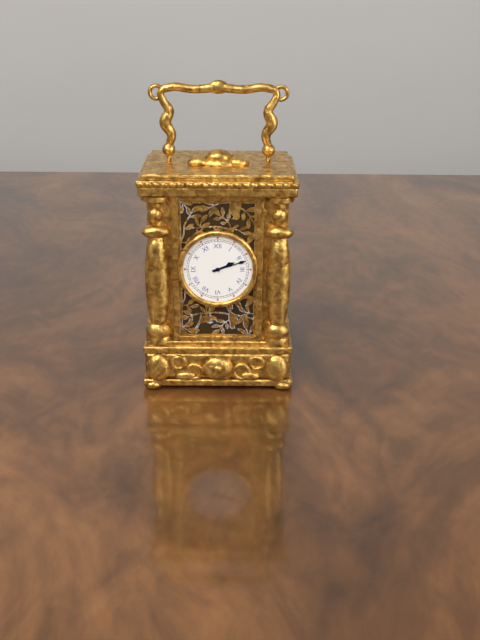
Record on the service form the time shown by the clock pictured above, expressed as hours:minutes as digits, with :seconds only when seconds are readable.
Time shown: 2:12
